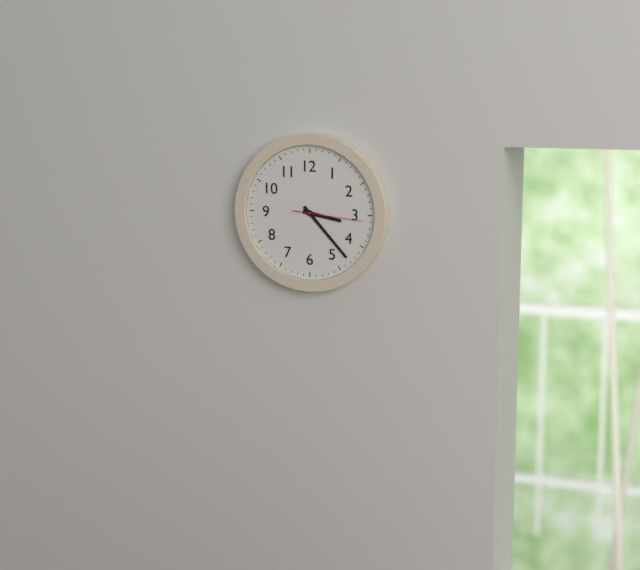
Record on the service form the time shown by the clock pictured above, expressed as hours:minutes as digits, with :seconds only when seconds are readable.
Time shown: 3:23:16
